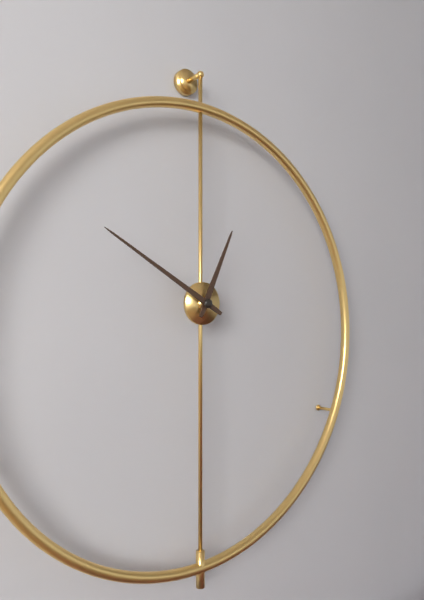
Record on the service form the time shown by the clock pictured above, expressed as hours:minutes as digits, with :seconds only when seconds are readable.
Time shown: 12:50
